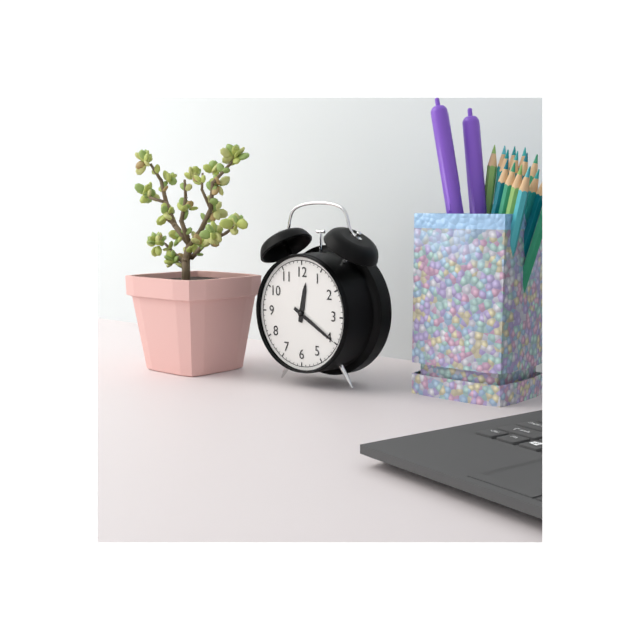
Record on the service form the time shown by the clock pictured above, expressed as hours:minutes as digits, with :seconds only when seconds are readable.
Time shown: 12:20
